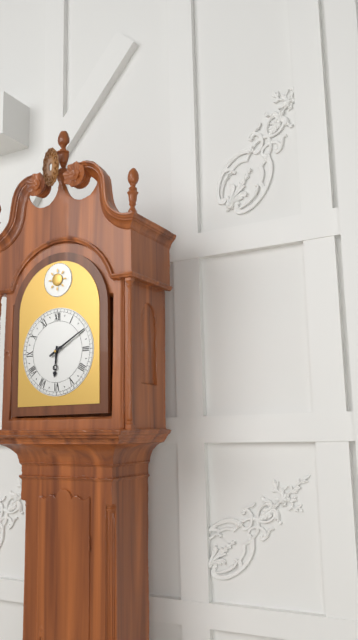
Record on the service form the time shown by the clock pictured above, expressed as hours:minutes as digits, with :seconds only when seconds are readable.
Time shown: 6:10
